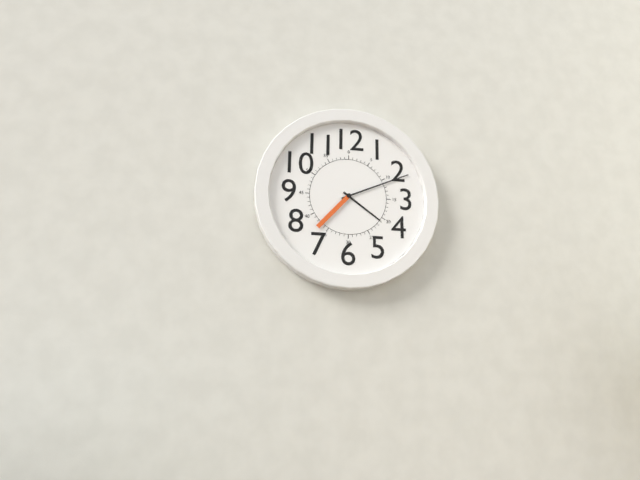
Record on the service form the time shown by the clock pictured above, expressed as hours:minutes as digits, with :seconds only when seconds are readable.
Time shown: 4:11:37
